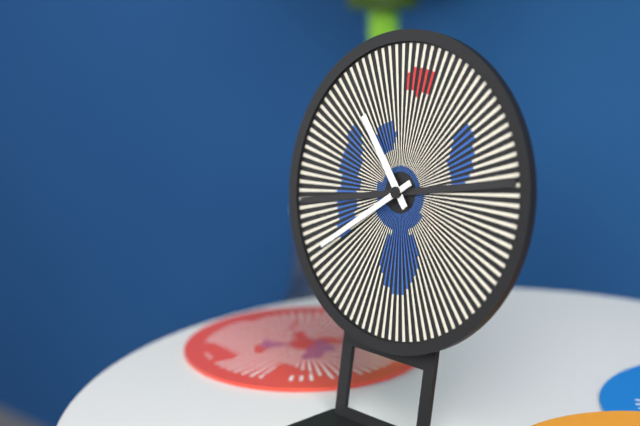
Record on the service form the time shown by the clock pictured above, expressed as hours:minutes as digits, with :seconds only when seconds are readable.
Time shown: 10:39
